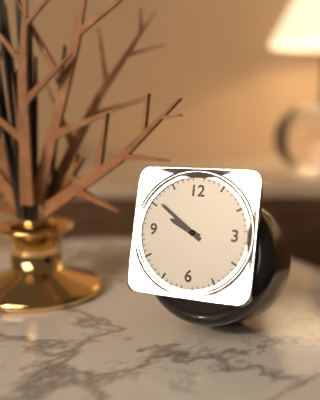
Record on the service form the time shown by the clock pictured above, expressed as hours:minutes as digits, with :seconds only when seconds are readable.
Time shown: 9:51
